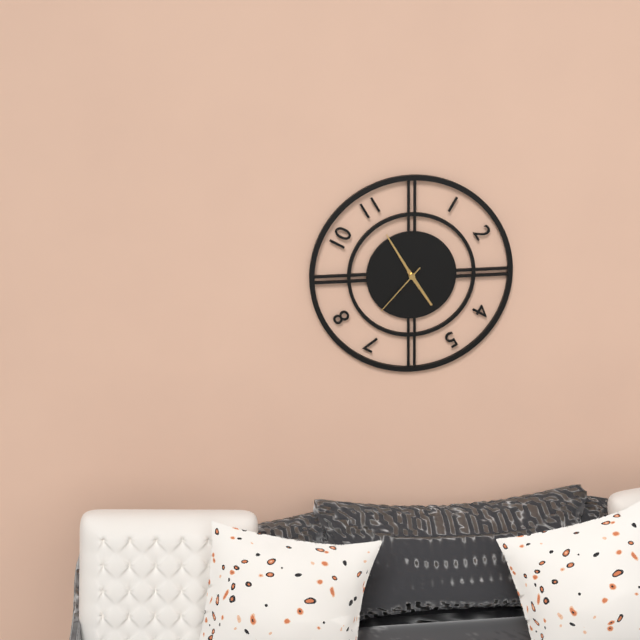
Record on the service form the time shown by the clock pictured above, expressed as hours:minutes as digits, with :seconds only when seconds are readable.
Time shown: 4:55:37
